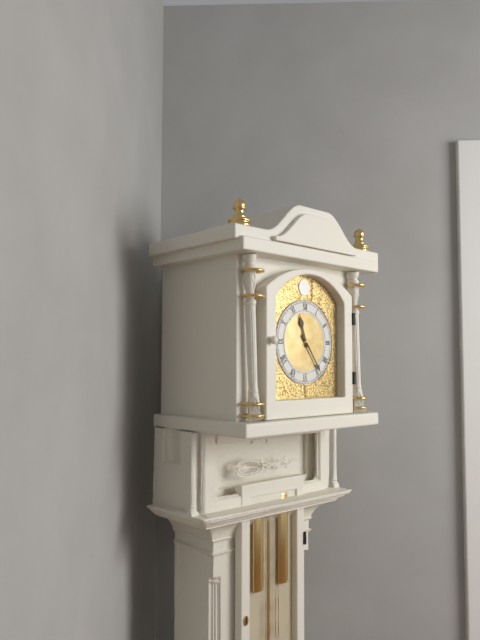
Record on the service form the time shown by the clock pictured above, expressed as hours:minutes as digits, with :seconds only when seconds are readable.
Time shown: 11:24
